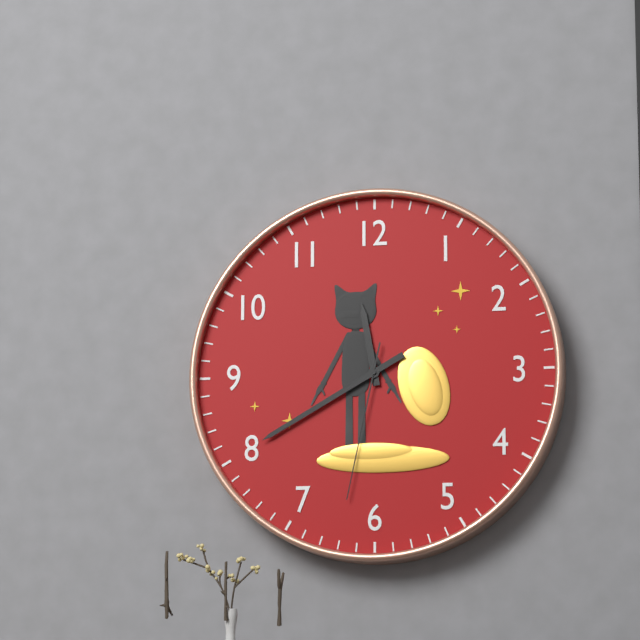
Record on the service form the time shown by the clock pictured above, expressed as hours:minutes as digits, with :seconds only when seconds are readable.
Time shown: 11:40:32
